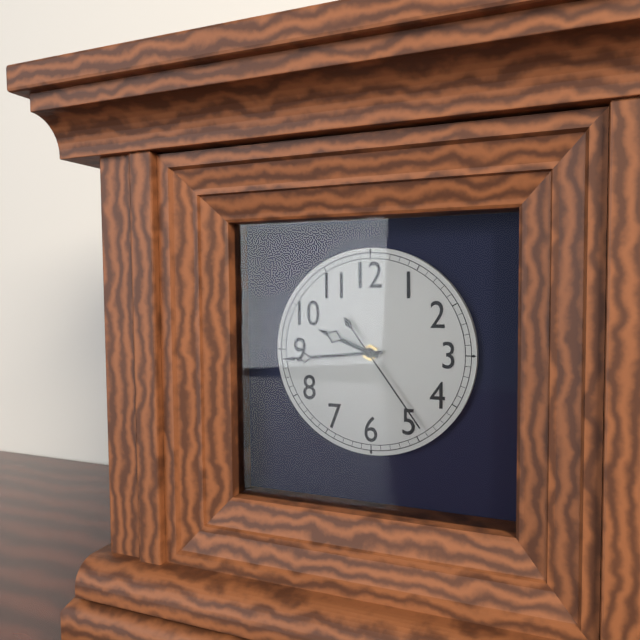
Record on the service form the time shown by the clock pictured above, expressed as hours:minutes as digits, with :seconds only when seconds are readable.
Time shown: 9:44:24
